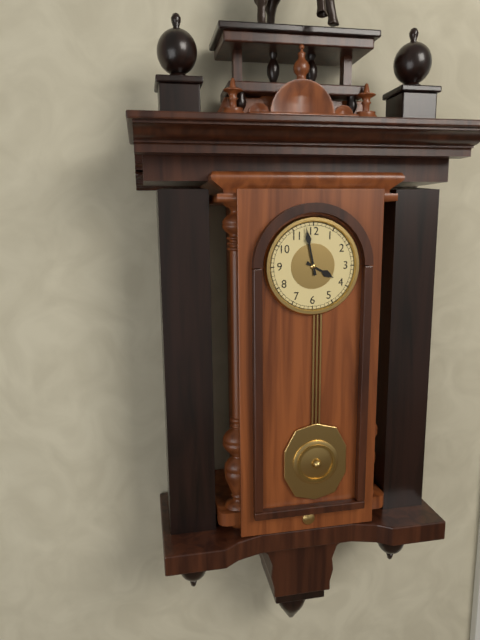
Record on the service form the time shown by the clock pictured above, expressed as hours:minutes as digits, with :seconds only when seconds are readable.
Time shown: 3:58
